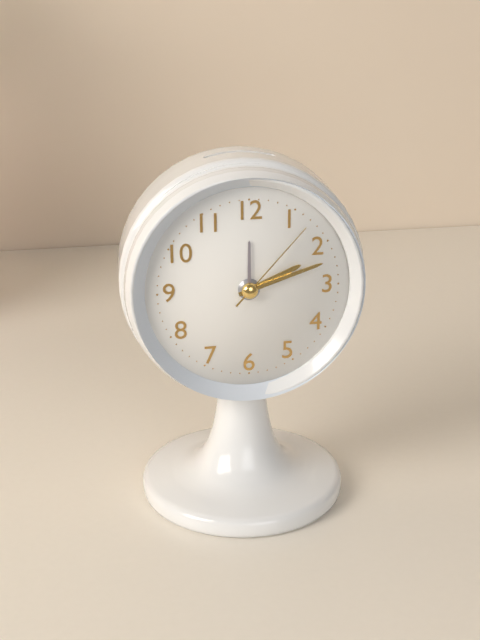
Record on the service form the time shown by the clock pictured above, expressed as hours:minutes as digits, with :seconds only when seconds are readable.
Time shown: 2:12:07
